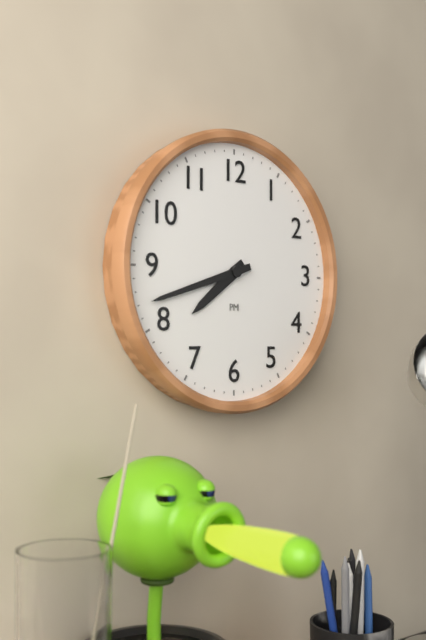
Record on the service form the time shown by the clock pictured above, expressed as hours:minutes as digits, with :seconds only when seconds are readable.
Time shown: 7:42
